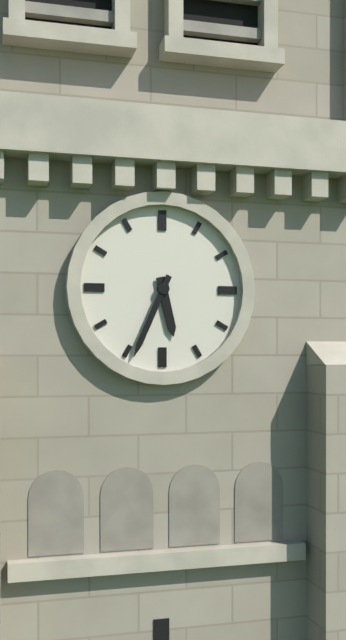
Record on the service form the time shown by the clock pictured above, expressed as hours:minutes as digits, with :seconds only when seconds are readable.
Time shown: 5:34
